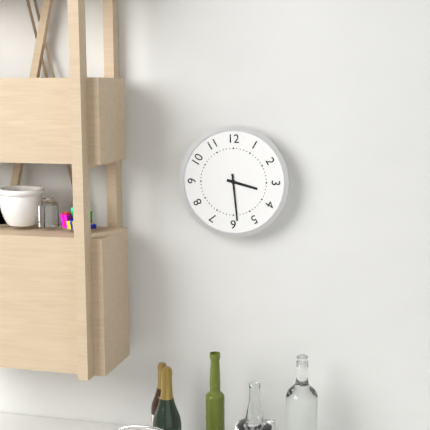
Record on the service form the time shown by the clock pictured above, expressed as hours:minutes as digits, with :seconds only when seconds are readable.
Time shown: 3:29
